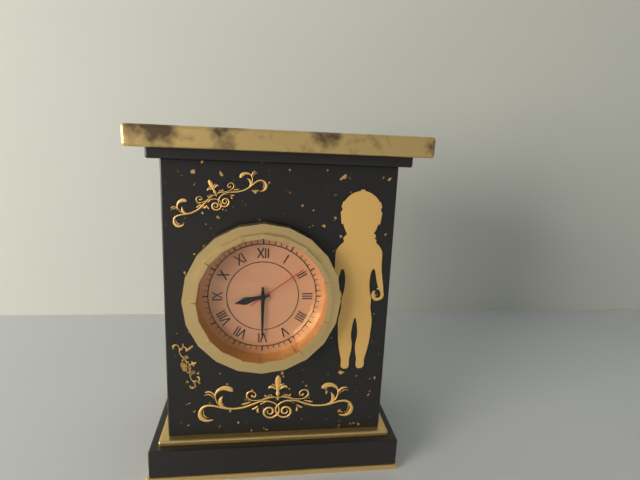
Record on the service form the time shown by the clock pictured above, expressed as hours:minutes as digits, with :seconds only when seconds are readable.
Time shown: 8:30:09
